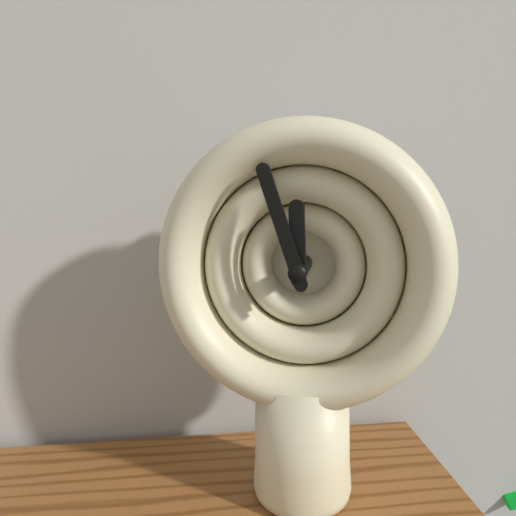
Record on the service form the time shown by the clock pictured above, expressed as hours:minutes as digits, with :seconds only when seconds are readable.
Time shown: 11:57
